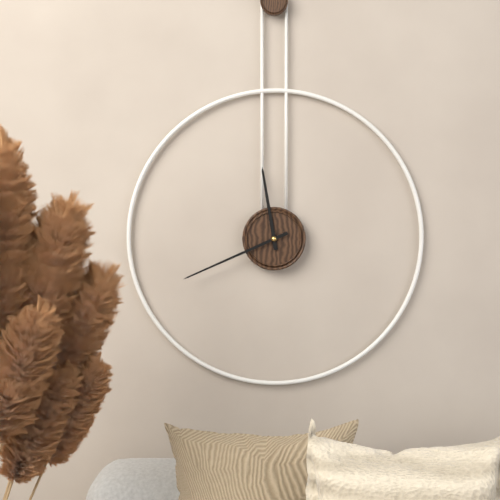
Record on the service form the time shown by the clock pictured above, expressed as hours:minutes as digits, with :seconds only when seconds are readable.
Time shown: 11:41
